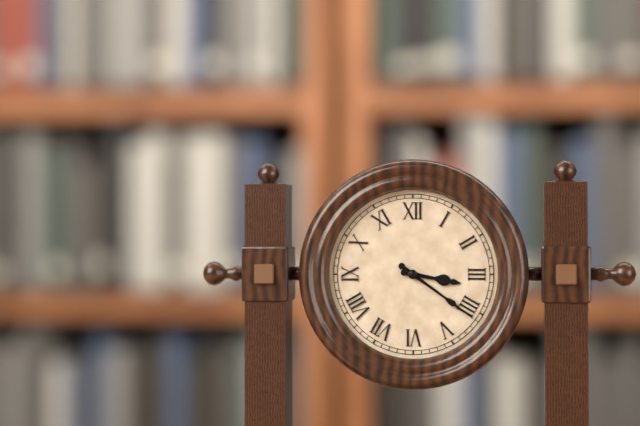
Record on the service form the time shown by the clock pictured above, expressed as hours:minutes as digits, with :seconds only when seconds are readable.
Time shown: 3:21
